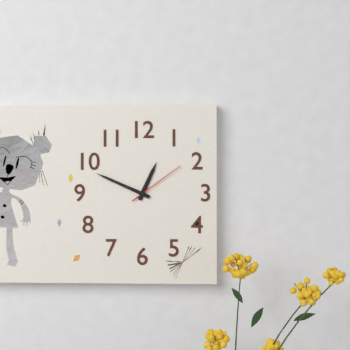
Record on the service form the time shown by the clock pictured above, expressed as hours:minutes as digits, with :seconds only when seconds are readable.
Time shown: 12:49:09
